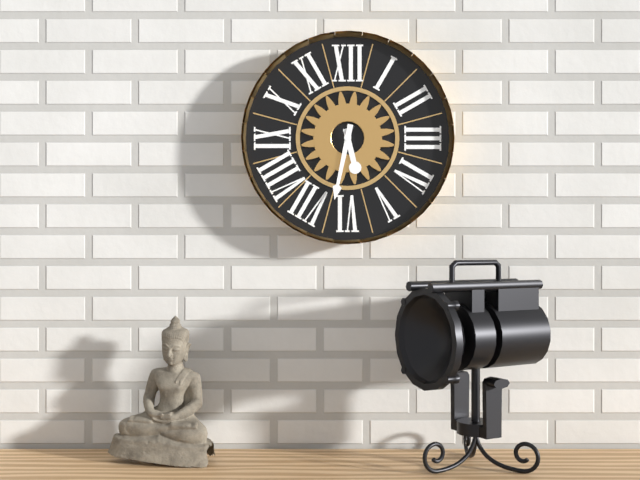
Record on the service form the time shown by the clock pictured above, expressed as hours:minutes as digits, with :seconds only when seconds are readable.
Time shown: 5:32
